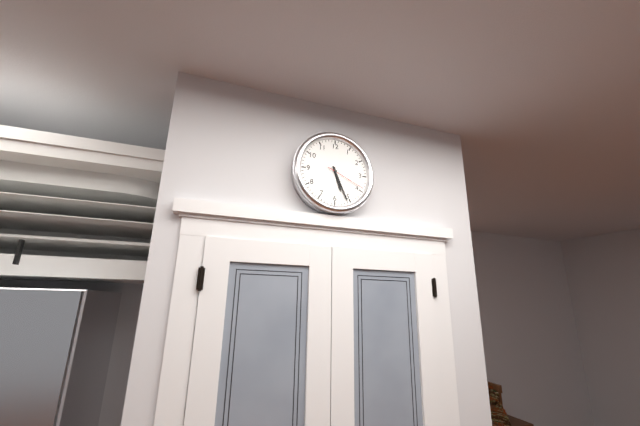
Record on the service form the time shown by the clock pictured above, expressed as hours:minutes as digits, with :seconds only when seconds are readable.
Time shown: 5:26
